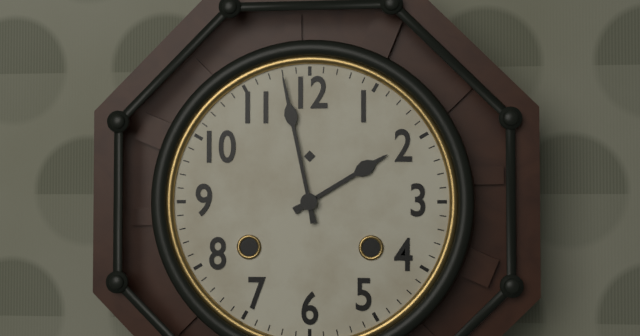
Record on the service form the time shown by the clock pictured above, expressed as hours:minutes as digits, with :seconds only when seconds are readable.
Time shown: 1:58
